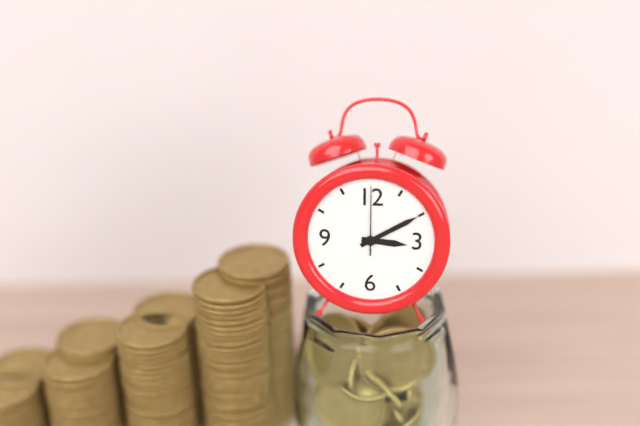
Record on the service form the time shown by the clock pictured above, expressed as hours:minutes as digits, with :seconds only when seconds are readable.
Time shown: 3:10:00
